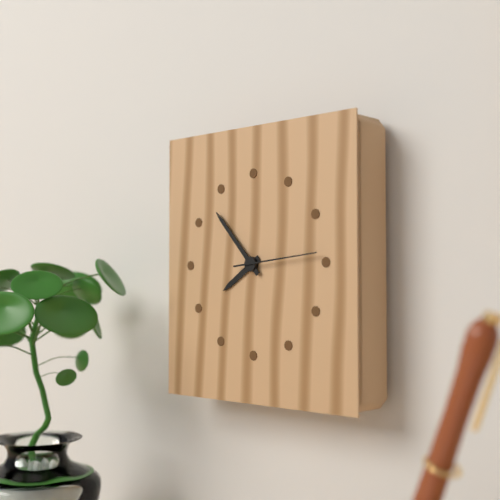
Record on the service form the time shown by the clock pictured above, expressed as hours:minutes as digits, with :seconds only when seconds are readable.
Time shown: 7:53:14
